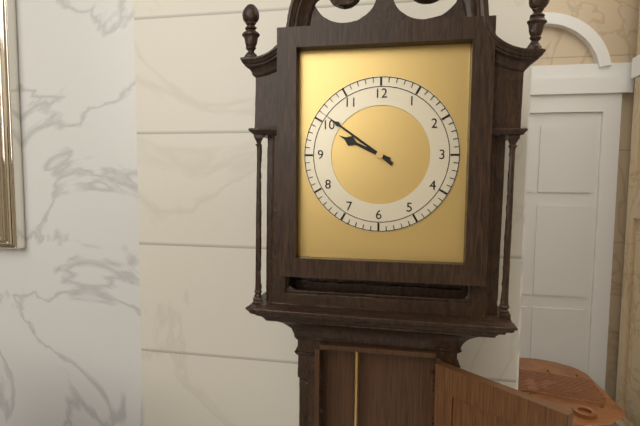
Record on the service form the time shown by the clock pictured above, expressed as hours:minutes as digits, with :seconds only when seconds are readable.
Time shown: 9:51
